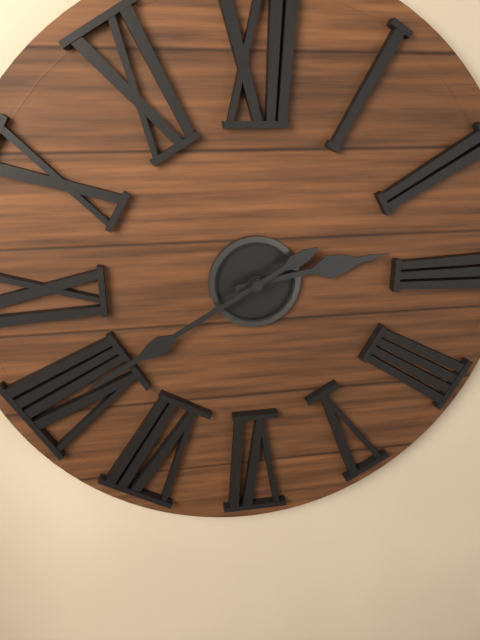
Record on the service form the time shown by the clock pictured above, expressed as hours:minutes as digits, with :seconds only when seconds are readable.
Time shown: 2:40
